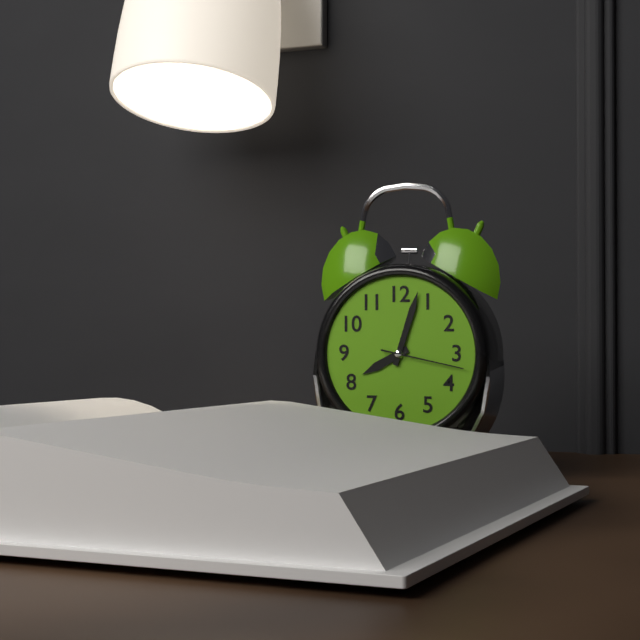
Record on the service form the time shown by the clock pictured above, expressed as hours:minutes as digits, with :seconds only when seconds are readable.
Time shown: 8:03:17
